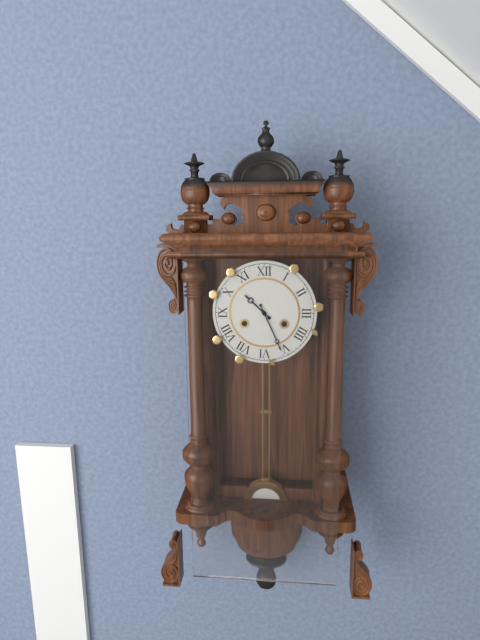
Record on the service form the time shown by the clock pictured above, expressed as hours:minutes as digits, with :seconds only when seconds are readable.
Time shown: 10:26
